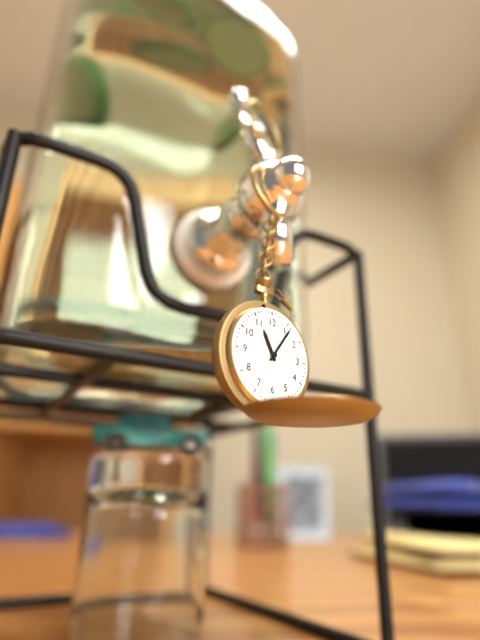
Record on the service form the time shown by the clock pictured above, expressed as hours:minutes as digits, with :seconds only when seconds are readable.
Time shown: 11:06
